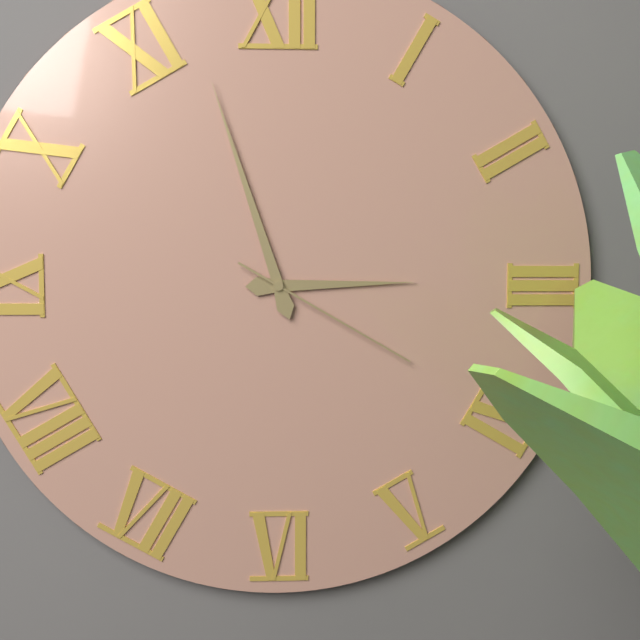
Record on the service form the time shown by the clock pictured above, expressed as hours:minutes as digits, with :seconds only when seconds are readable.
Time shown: 2:57:20
